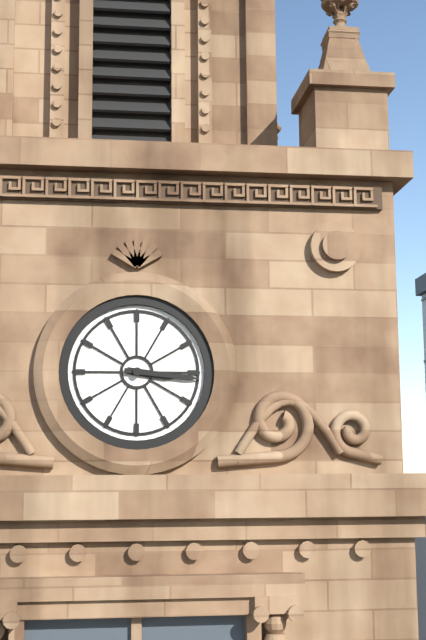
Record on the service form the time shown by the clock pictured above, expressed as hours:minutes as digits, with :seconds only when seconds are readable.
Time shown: 3:16
